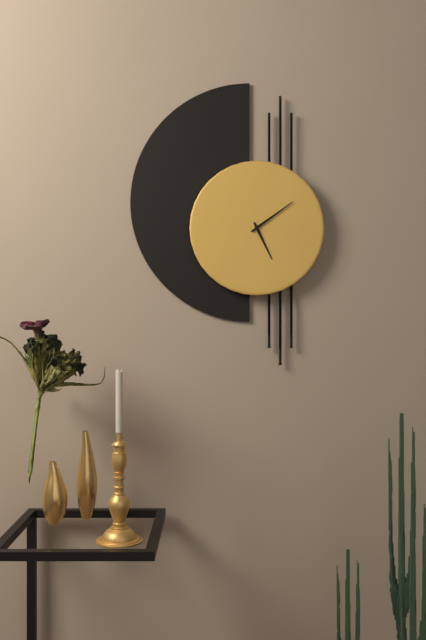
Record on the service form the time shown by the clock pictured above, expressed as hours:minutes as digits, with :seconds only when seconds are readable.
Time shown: 5:09
